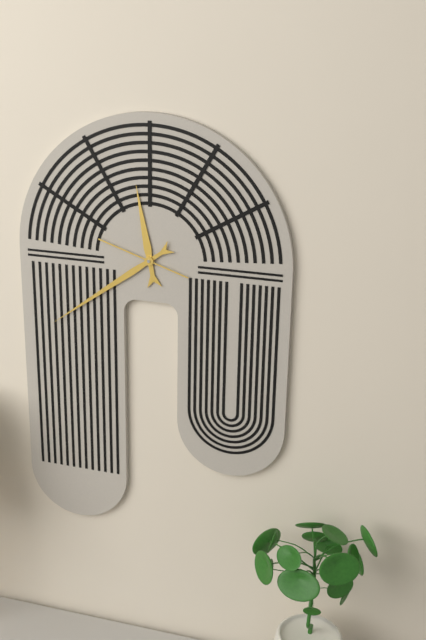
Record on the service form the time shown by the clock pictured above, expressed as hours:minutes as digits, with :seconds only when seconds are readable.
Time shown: 11:39:48
